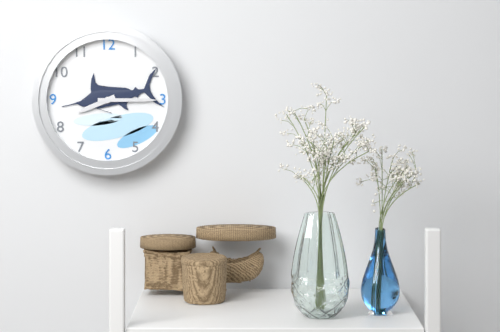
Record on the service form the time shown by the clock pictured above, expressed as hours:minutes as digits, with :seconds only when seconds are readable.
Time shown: 8:15
